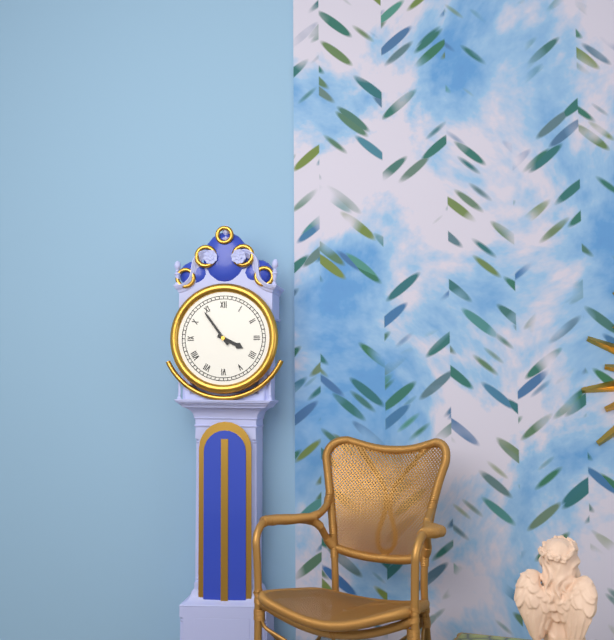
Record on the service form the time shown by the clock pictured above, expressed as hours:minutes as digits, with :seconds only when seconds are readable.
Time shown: 3:54
